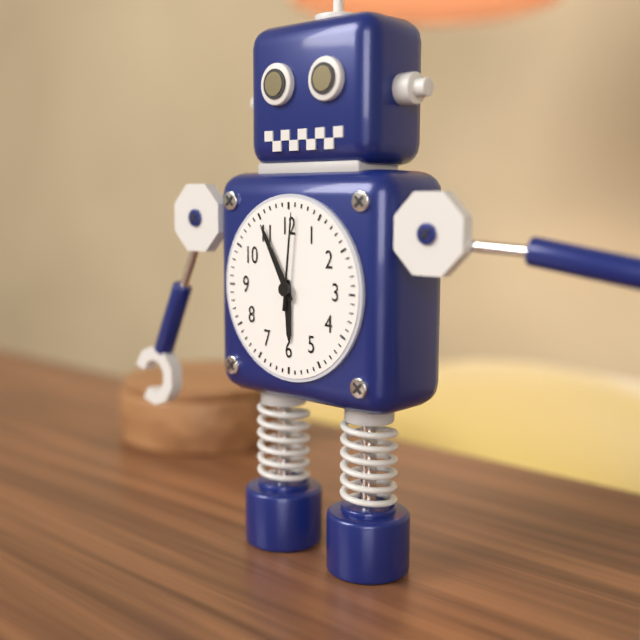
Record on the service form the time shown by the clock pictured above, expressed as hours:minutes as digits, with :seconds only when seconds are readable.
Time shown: 5:55:01
